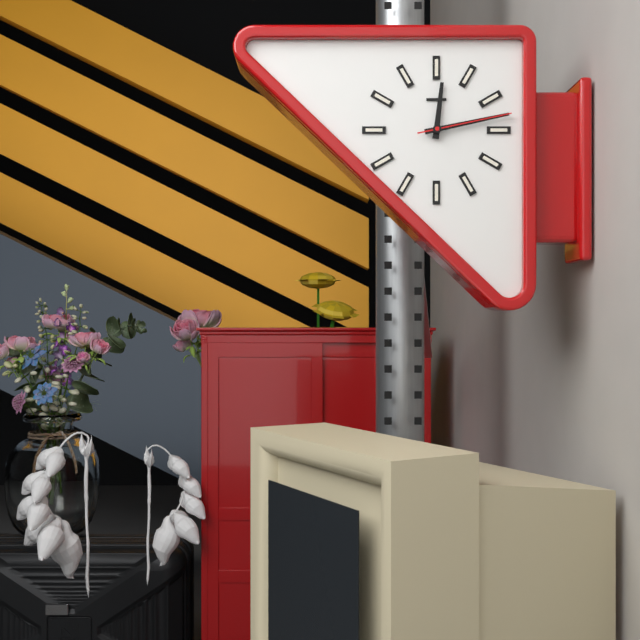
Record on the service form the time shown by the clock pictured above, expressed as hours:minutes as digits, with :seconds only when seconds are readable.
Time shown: 12:13:13
